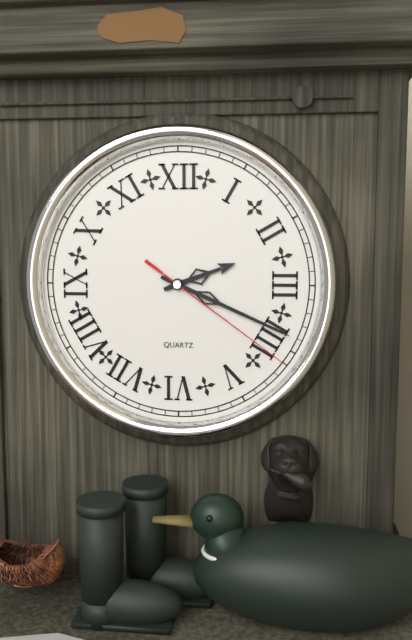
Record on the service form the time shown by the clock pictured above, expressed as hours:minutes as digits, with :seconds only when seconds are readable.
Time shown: 2:19:21
